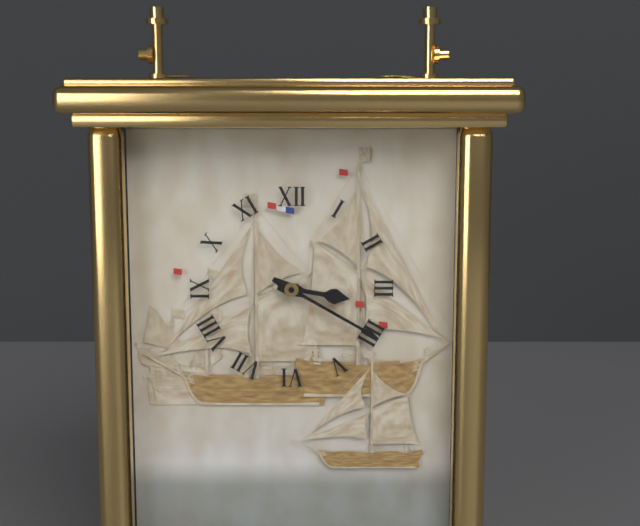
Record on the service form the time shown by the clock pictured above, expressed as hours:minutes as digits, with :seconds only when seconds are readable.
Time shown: 3:20
